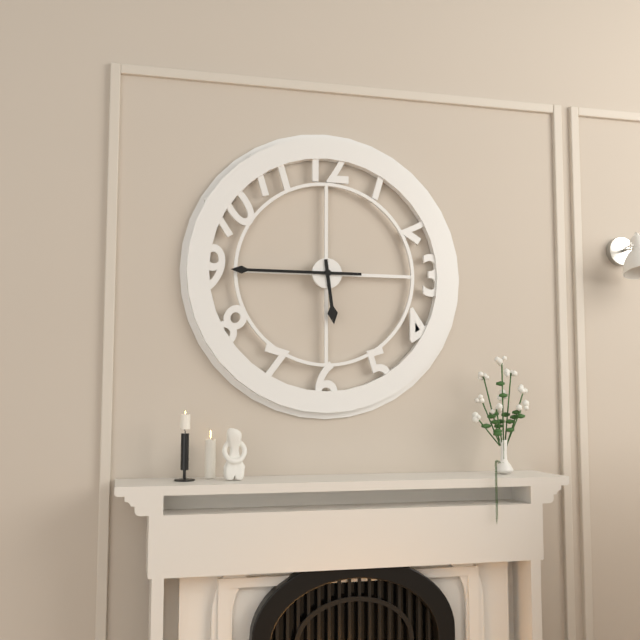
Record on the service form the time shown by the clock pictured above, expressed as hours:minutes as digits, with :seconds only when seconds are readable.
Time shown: 5:45
